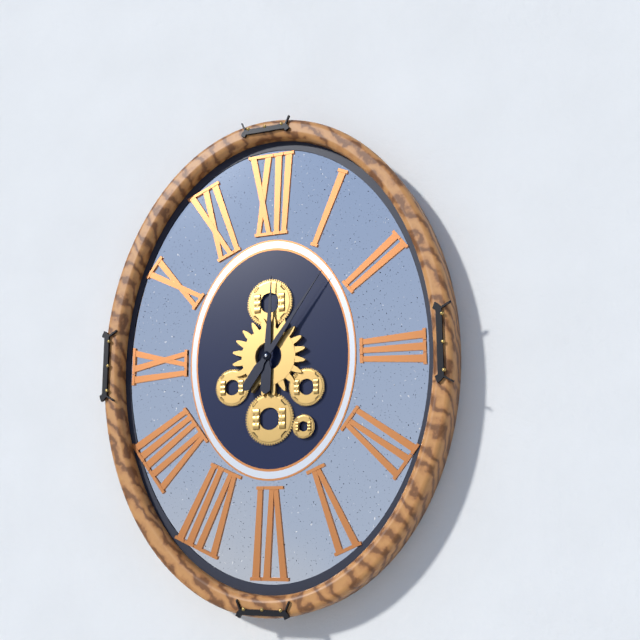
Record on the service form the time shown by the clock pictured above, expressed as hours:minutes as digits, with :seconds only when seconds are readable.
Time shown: 12:06
